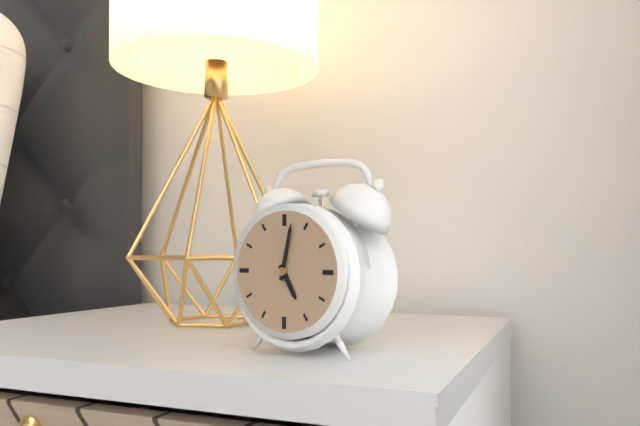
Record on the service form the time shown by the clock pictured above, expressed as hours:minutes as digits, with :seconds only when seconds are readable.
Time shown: 5:02
